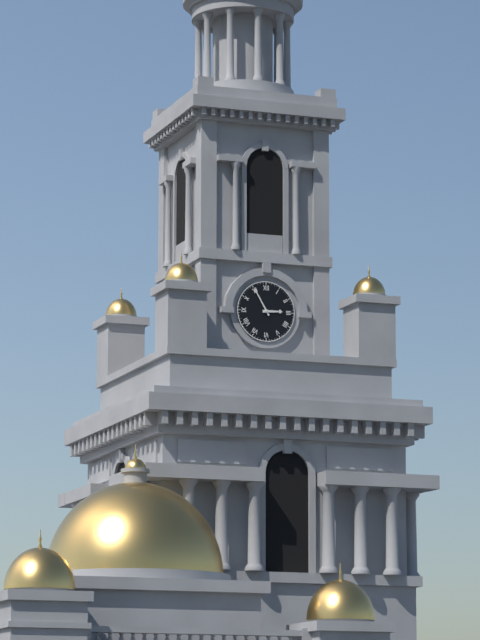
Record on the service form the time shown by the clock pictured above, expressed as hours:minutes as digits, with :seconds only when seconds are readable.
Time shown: 2:55
